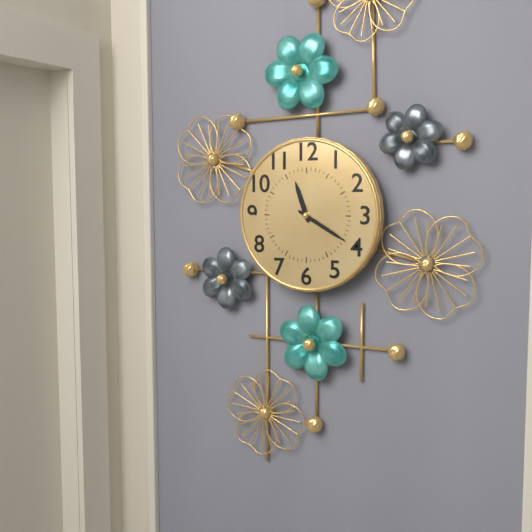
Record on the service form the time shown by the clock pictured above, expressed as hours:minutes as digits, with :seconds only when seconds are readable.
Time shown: 11:20
